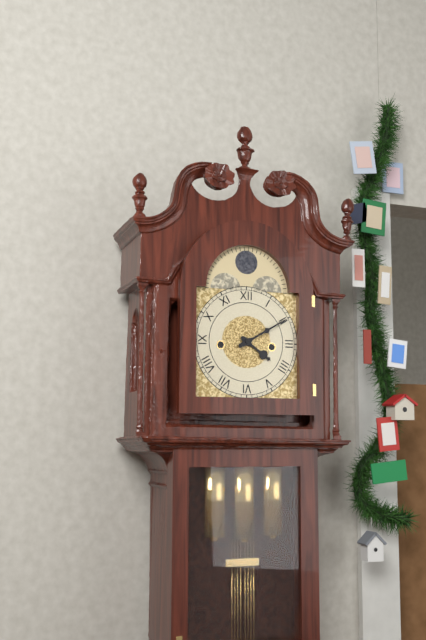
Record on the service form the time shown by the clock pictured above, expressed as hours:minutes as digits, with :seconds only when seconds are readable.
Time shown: 4:10
